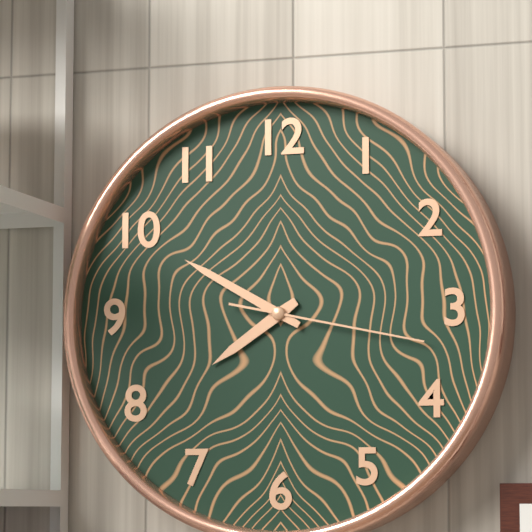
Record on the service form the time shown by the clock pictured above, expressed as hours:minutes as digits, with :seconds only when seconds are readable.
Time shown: 7:50:17
